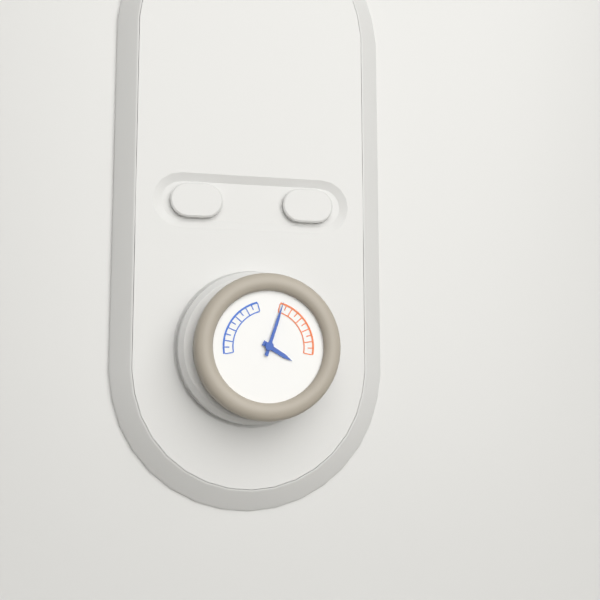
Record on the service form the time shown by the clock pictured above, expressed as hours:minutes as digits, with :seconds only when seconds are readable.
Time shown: 4:03
